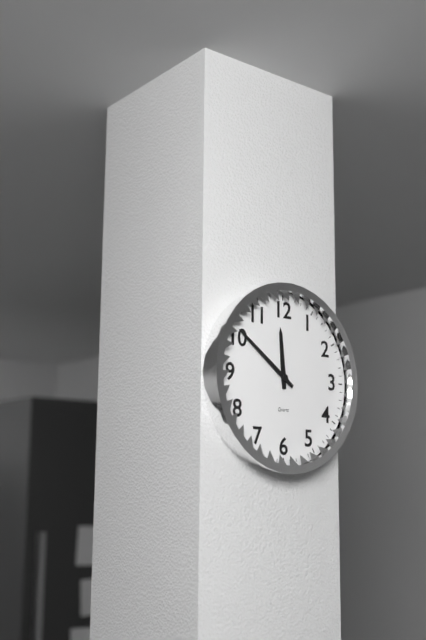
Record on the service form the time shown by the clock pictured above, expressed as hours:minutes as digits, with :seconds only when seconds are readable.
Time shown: 11:51
